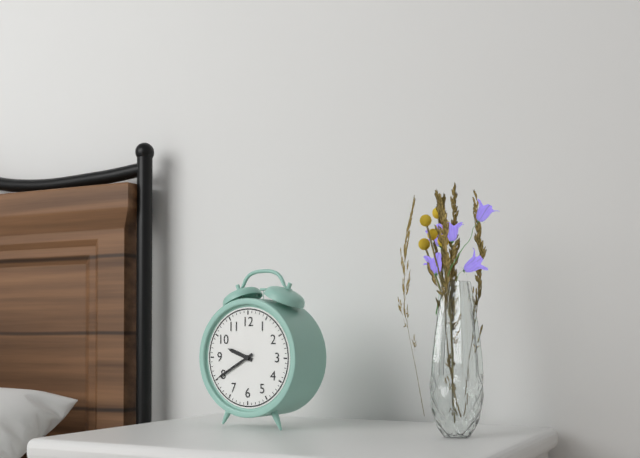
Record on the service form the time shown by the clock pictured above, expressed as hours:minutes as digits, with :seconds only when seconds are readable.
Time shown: 9:40
